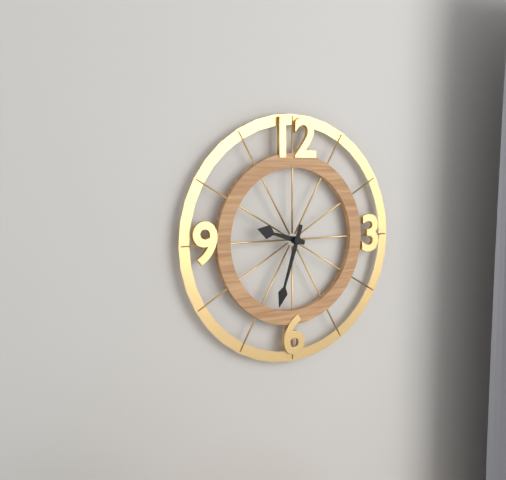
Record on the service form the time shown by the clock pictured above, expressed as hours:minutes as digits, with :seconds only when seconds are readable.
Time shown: 9:33
